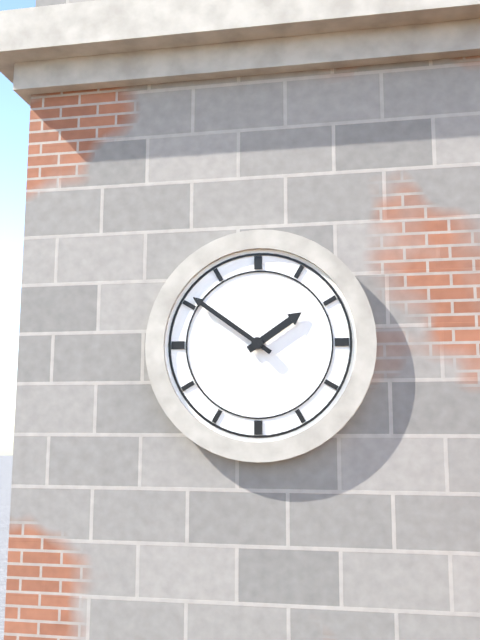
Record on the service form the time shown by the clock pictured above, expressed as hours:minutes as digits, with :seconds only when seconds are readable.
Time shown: 1:51
